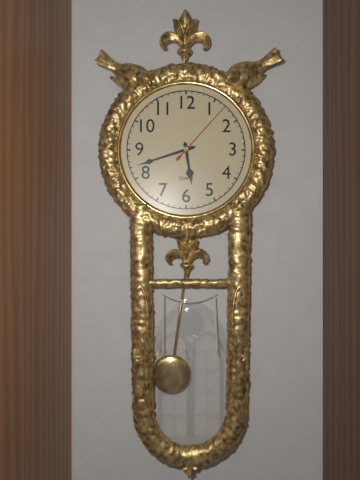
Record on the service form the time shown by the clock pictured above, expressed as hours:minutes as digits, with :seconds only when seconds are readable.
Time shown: 5:42:07
